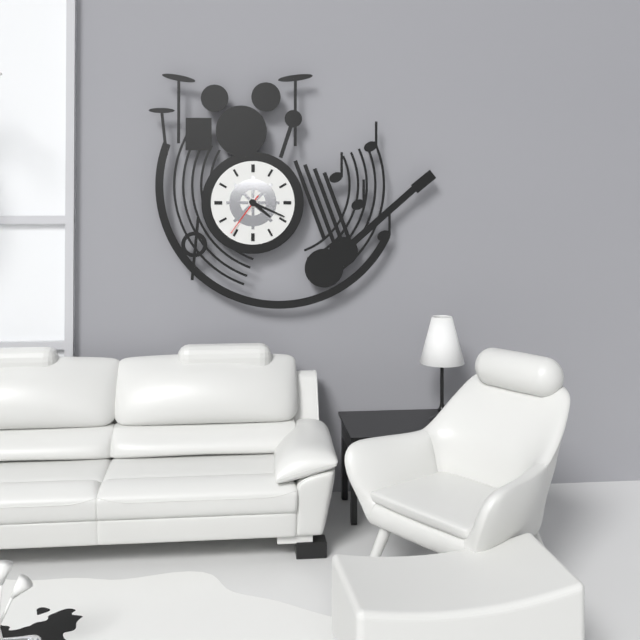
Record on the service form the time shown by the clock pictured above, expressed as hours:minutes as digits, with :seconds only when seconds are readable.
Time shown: 4:19
